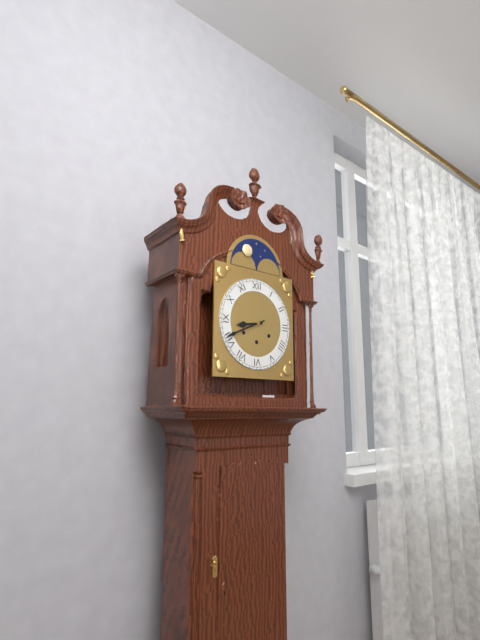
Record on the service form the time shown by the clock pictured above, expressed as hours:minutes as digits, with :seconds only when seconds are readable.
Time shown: 8:41
